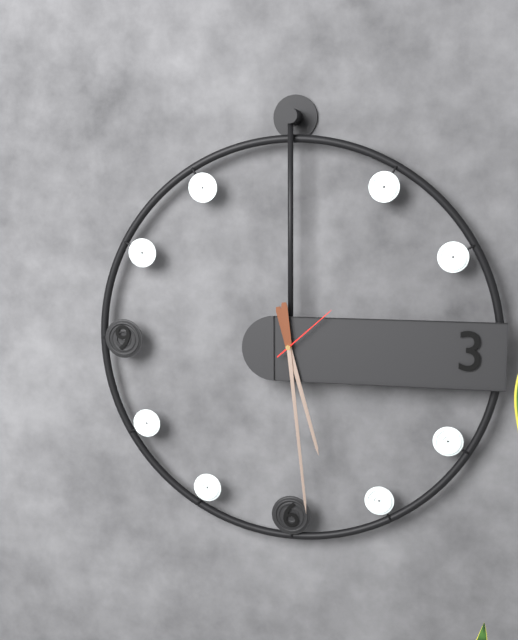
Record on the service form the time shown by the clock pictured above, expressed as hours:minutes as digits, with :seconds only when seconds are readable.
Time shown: 5:29:08
